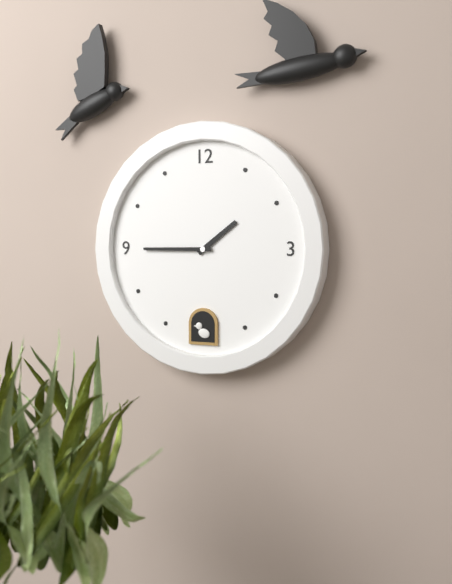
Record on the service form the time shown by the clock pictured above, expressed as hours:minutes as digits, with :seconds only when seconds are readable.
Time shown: 1:45
